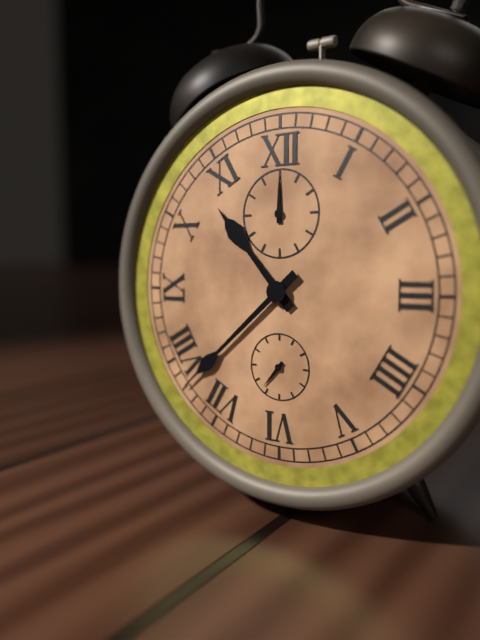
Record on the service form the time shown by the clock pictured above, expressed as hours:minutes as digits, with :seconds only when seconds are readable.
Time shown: 10:38
